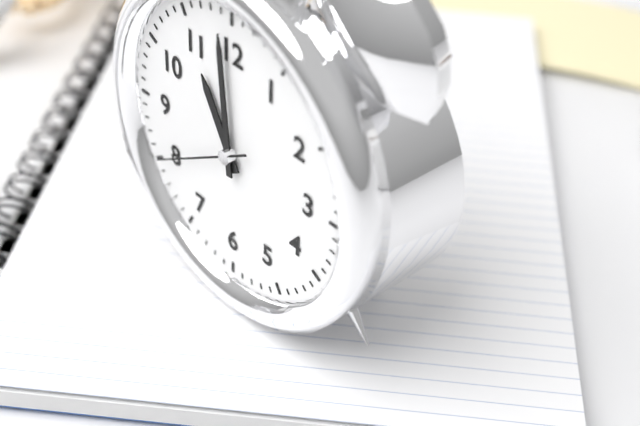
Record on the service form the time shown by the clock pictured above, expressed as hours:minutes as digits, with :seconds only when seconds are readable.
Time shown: 10:59:40
